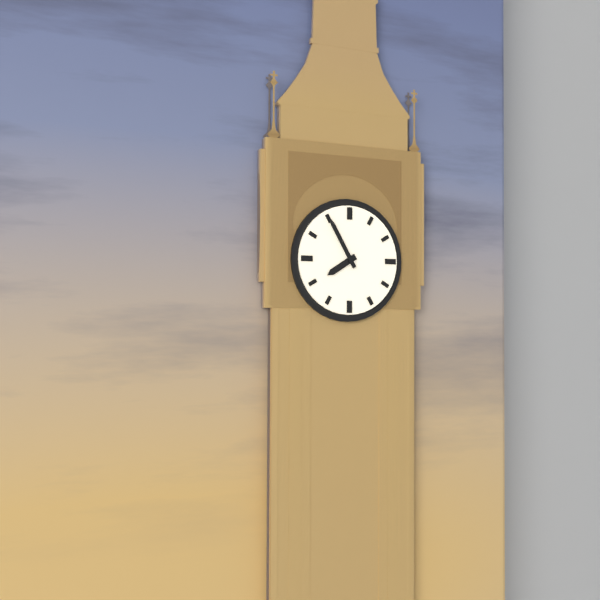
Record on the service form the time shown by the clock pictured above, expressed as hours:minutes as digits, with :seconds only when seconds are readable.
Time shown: 7:55
